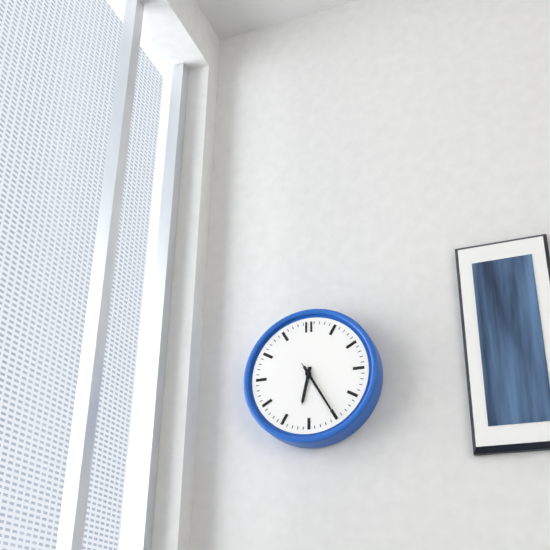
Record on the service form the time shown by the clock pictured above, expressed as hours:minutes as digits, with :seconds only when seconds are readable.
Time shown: 6:25:25
